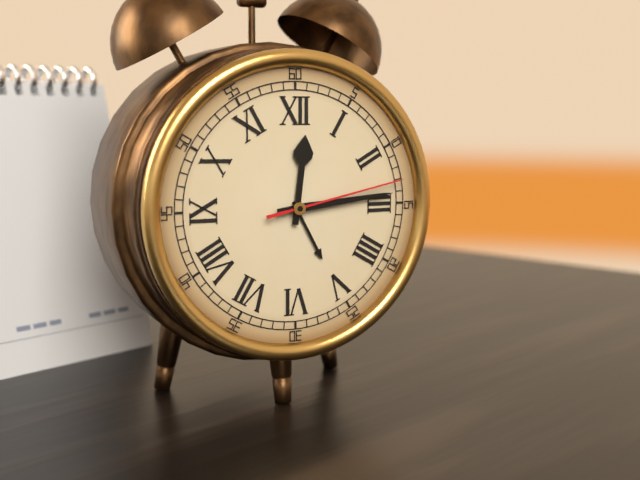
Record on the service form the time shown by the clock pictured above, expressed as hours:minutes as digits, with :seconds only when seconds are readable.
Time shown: 12:14:13
